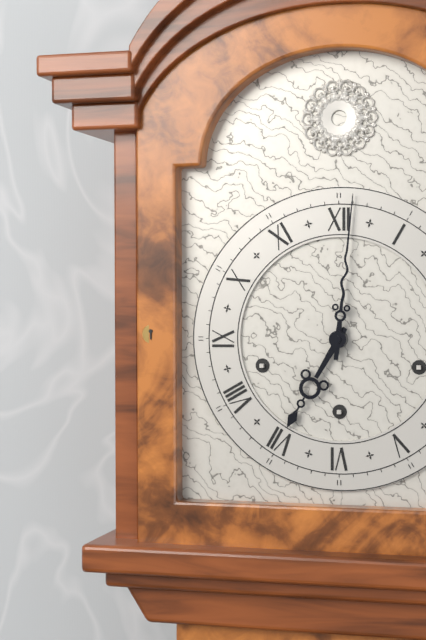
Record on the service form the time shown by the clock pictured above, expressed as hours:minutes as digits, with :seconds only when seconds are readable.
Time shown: 7:01
